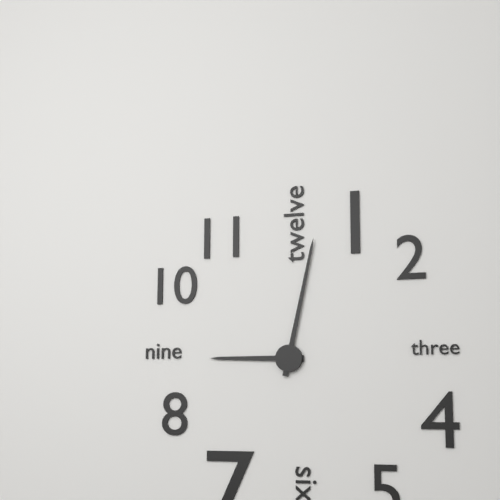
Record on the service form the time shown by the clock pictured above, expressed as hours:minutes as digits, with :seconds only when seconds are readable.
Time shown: 9:02
